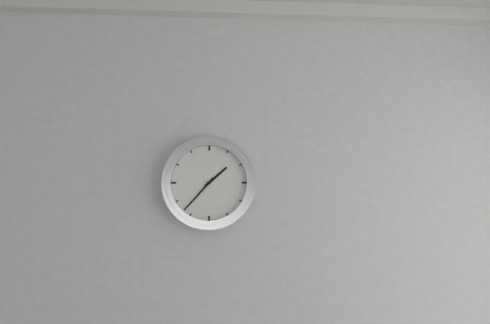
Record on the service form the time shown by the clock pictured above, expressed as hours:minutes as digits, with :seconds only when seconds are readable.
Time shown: 1:37
